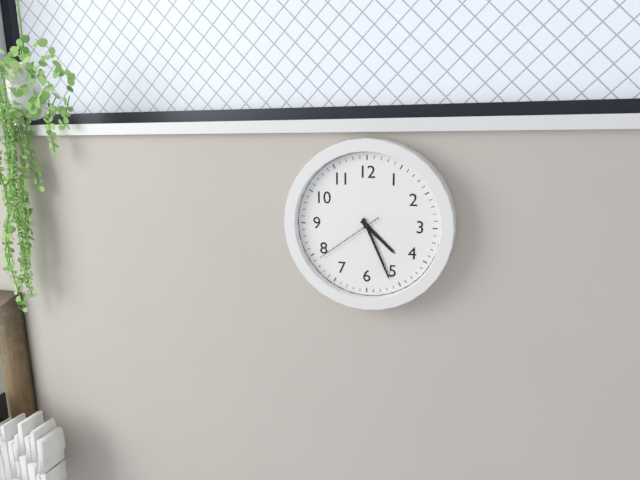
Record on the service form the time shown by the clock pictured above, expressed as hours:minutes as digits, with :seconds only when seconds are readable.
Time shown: 4:26:39
